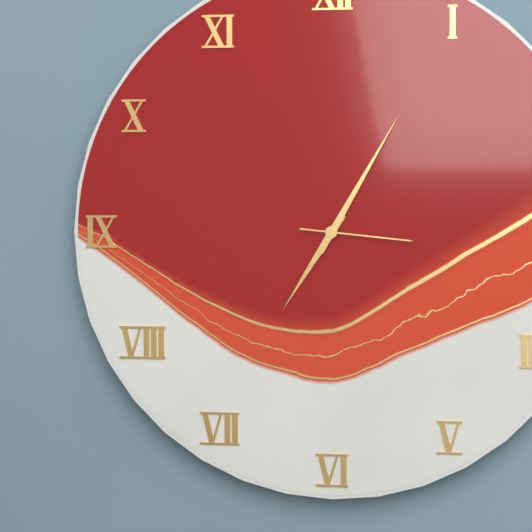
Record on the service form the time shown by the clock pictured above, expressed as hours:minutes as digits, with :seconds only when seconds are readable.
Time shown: 7:05:16
